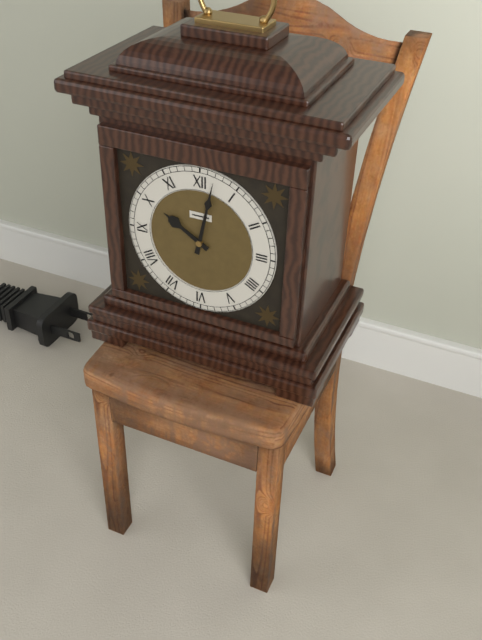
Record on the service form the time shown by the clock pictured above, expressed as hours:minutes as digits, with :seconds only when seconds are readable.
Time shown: 10:02
